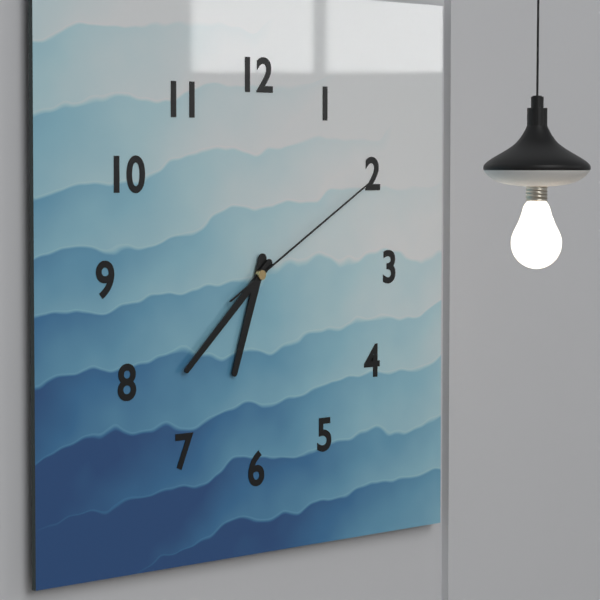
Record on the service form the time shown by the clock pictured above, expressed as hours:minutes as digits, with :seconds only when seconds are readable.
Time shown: 6:38:10
